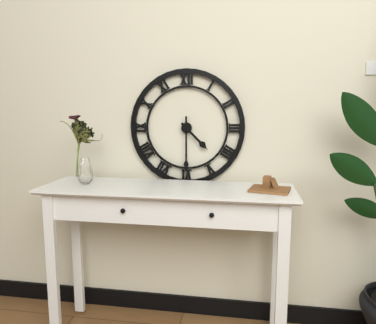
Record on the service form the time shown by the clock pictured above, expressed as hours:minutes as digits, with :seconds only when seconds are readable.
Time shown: 4:30
